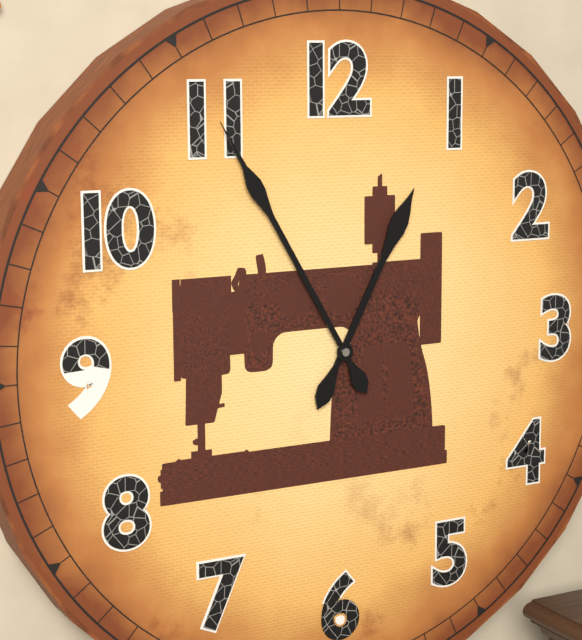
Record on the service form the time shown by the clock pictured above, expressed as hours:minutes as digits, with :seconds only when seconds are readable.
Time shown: 12:55
